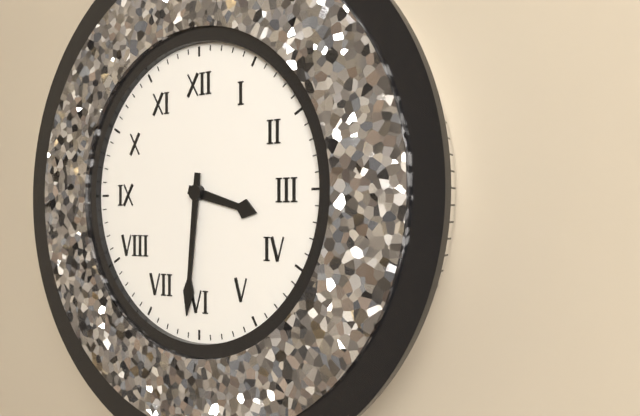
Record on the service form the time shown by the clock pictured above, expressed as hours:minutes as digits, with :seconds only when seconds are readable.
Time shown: 3:31
